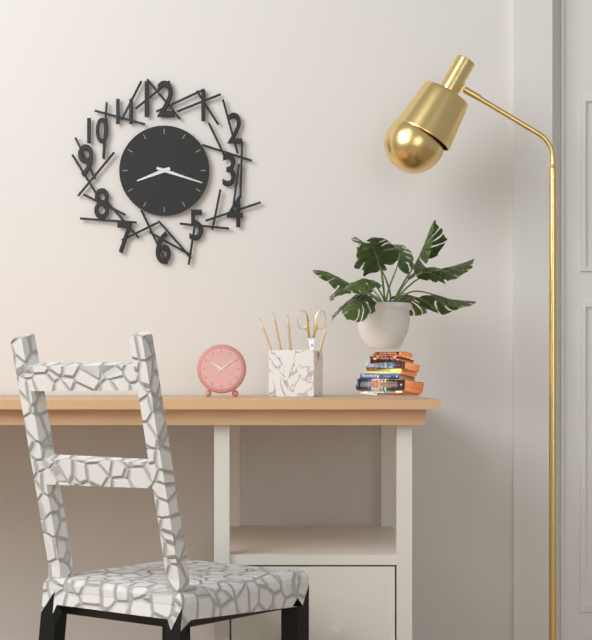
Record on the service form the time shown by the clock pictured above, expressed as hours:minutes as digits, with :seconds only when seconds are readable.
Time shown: 8:18
